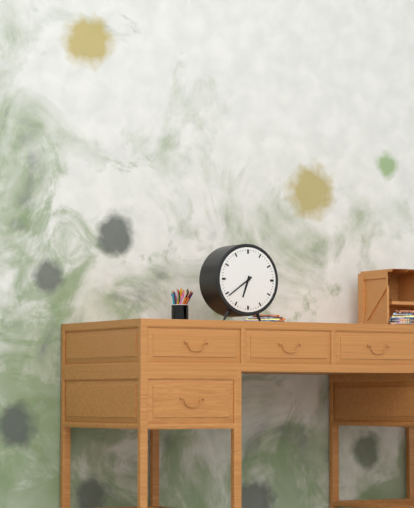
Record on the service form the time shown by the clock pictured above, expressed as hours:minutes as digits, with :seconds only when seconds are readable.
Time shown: 6:39
